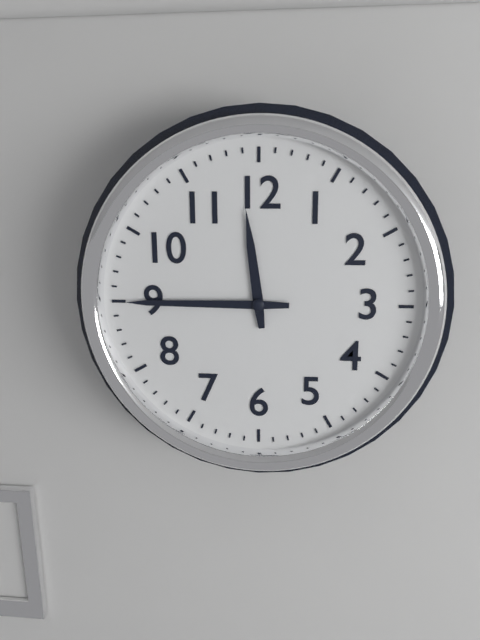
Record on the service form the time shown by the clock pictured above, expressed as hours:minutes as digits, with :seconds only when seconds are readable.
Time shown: 11:45
